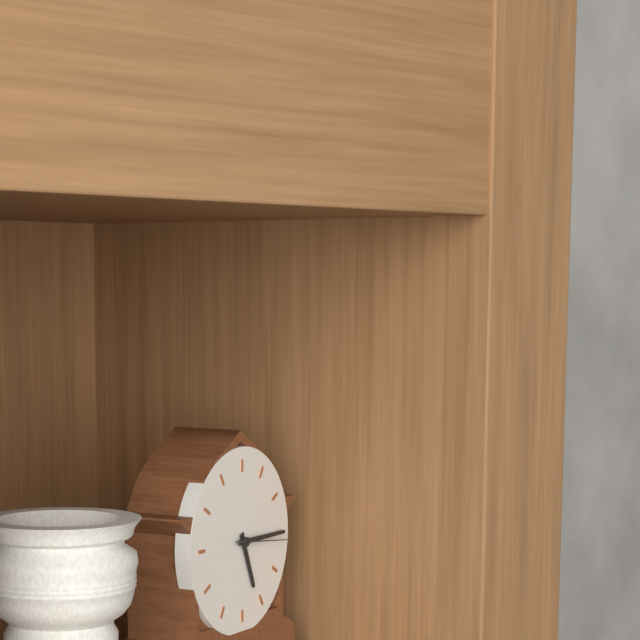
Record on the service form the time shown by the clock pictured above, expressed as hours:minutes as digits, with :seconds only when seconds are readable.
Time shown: 5:15:16
